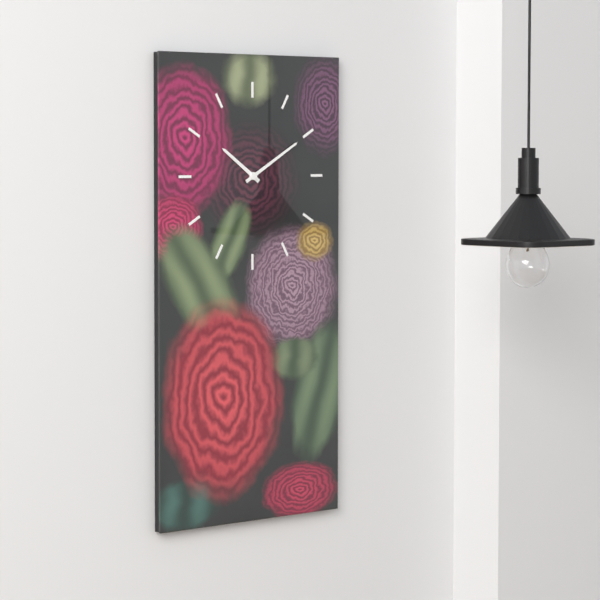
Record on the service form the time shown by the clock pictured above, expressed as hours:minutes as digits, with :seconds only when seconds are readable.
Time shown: 10:10
